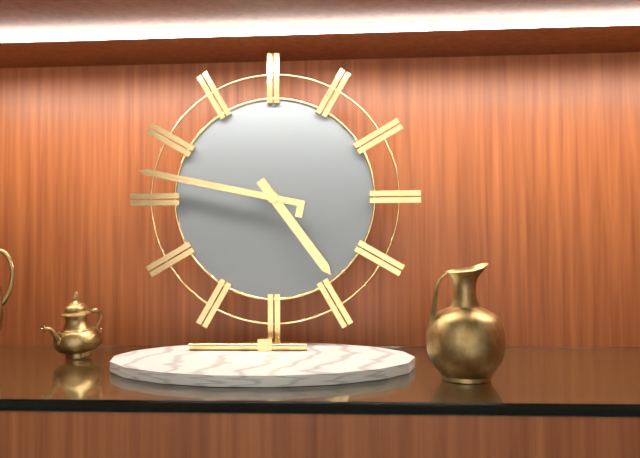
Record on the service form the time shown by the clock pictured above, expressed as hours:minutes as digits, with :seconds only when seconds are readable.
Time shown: 4:47
